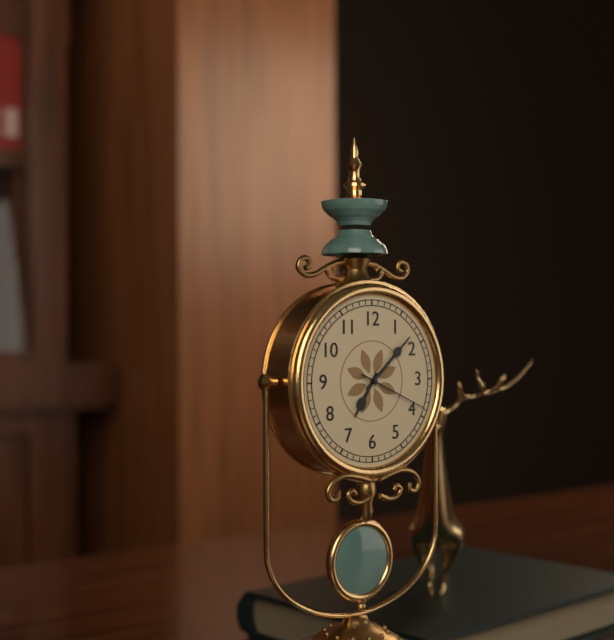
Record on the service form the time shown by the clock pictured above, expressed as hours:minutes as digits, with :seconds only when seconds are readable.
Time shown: 7:08:19
